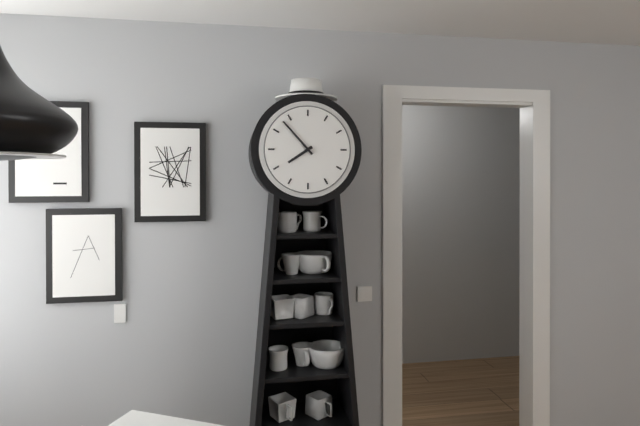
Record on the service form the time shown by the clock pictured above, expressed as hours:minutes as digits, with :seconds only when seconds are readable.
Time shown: 7:53
